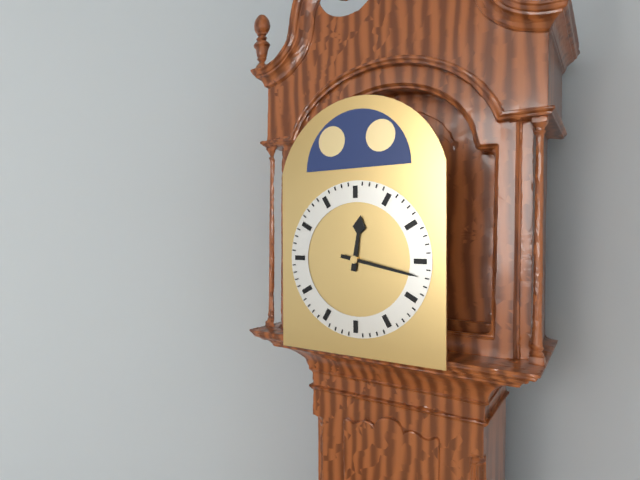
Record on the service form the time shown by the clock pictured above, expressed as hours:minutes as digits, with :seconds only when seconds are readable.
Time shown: 12:17
